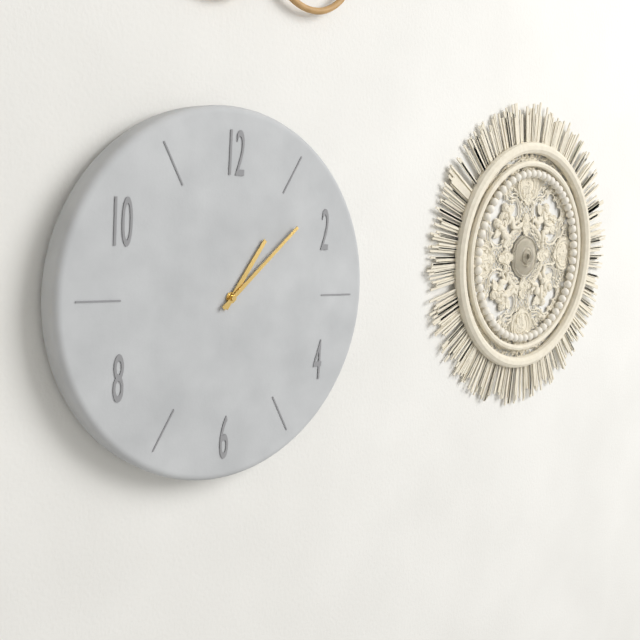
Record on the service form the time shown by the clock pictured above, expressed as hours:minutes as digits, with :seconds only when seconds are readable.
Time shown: 1:08
